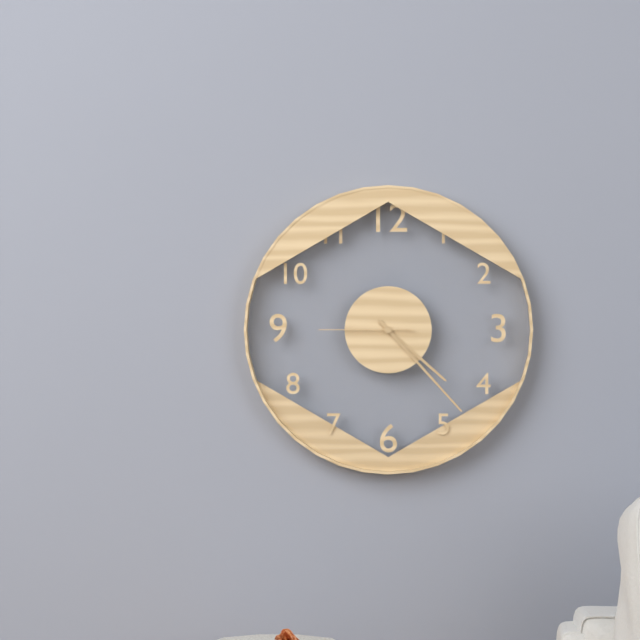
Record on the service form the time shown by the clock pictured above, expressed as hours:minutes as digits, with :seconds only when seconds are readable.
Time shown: 4:23:45
